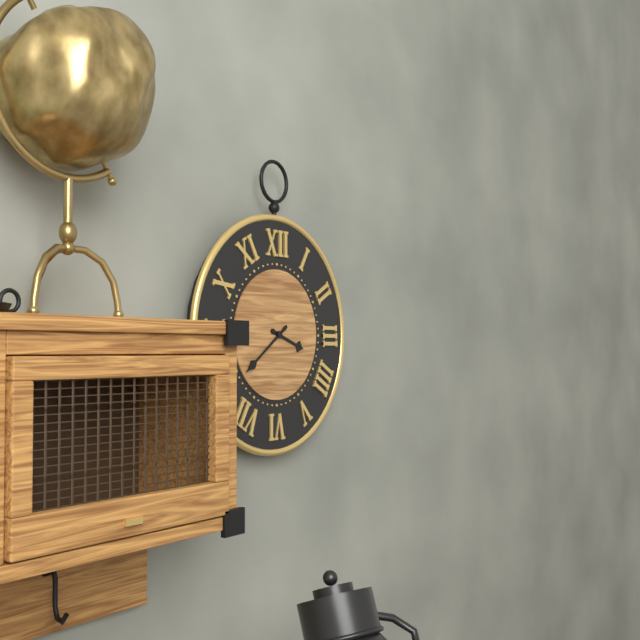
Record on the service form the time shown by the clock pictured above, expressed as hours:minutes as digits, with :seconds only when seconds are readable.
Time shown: 3:39
